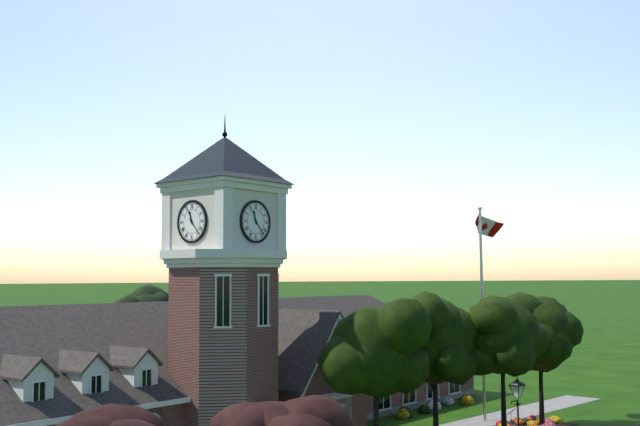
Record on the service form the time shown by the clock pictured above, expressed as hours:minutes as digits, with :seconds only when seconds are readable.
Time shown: 11:23
